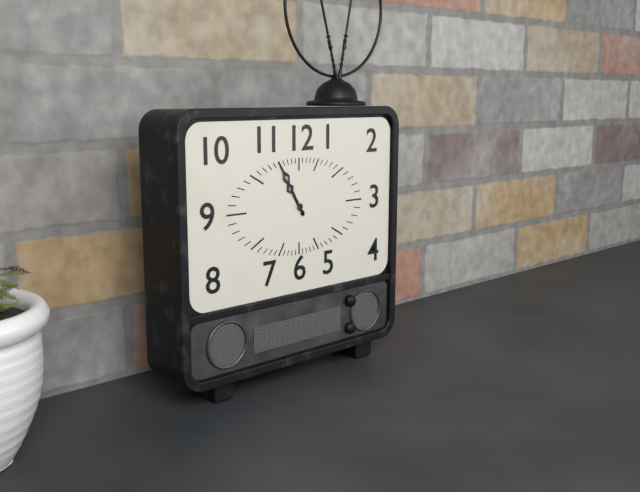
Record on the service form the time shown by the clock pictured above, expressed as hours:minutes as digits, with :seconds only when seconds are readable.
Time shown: 10:55
